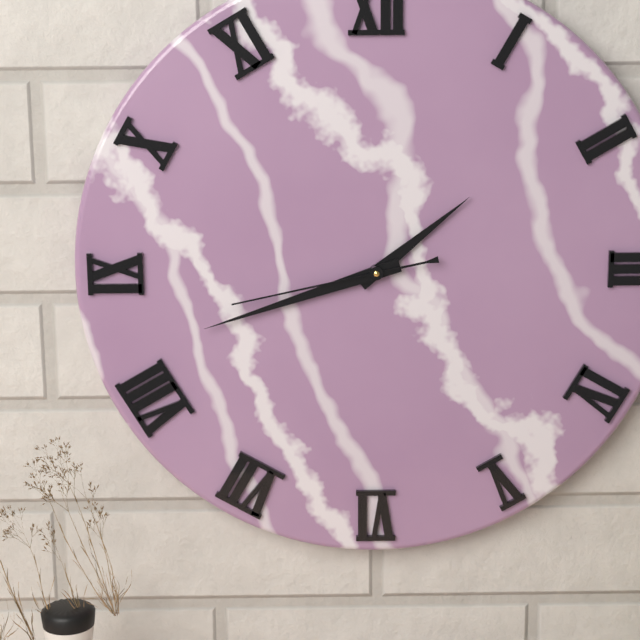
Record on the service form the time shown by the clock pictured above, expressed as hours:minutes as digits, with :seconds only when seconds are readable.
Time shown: 1:42:43
